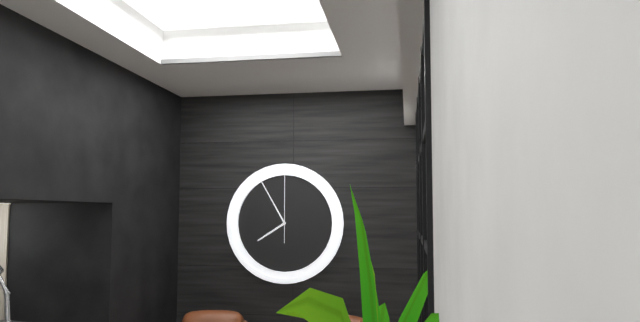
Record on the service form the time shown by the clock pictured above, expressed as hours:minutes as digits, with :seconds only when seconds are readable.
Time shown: 7:55:00
